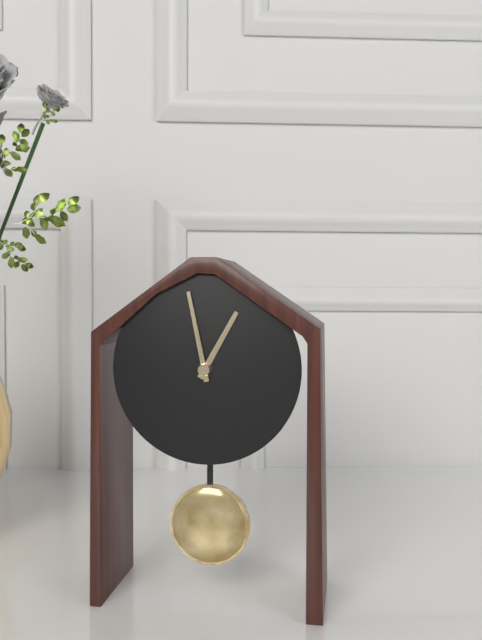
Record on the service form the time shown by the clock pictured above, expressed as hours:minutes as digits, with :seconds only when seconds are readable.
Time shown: 12:58
